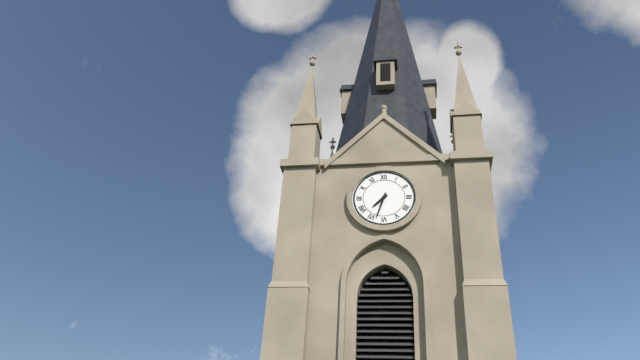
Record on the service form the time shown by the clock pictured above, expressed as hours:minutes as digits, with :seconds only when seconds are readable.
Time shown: 7:33
